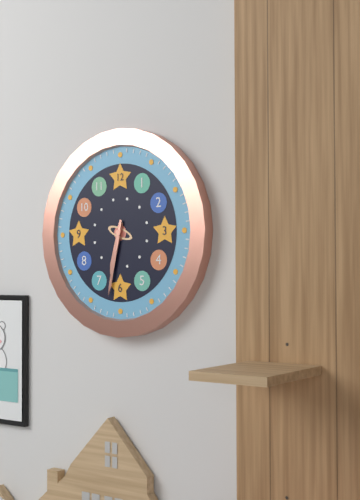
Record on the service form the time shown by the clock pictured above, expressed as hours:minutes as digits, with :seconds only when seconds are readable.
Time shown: 6:32
